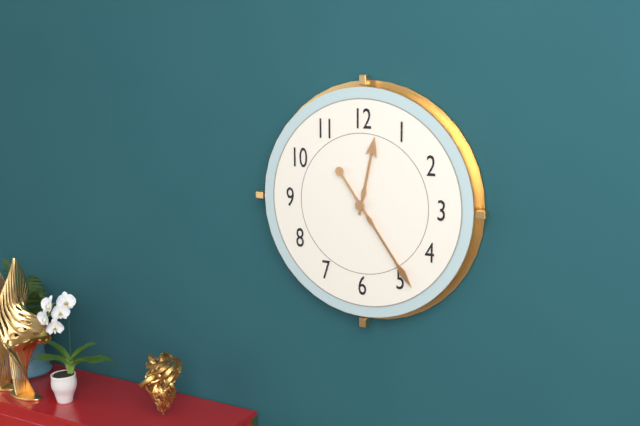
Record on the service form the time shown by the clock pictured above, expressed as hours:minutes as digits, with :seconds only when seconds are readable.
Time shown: 12:24
